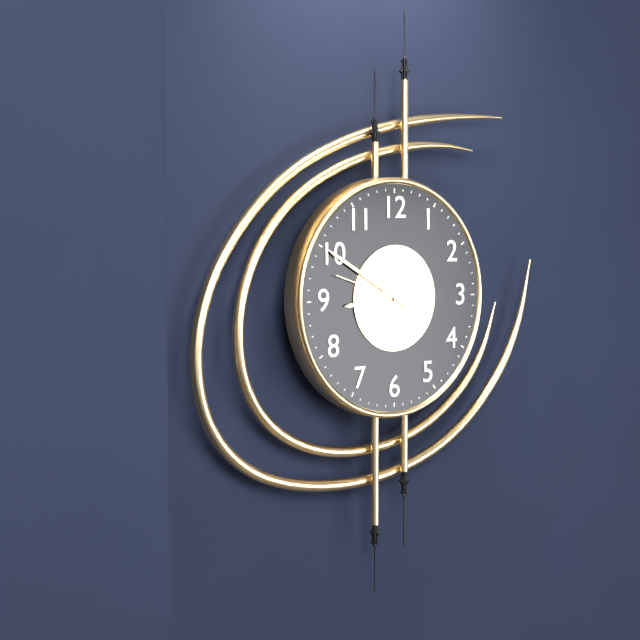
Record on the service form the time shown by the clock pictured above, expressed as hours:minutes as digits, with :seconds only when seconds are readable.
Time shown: 8:50:48
